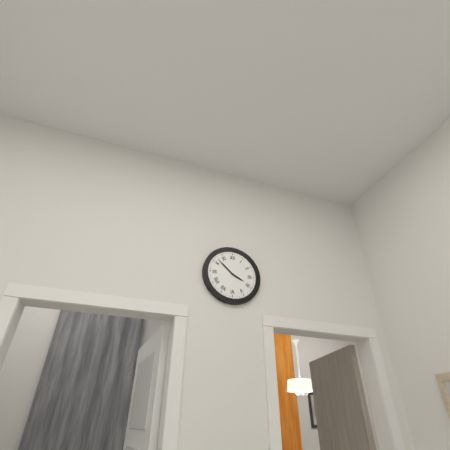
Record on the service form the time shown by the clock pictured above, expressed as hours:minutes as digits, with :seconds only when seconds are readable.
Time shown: 3:52
